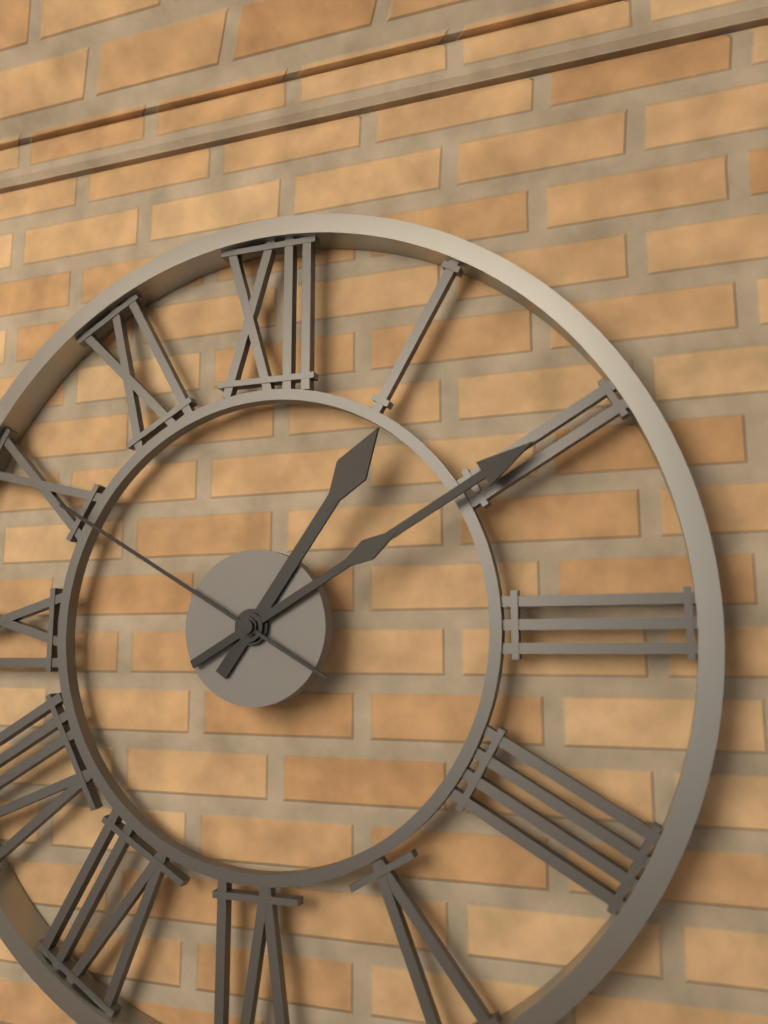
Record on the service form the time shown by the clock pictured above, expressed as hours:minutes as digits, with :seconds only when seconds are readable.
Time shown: 1:10:50
